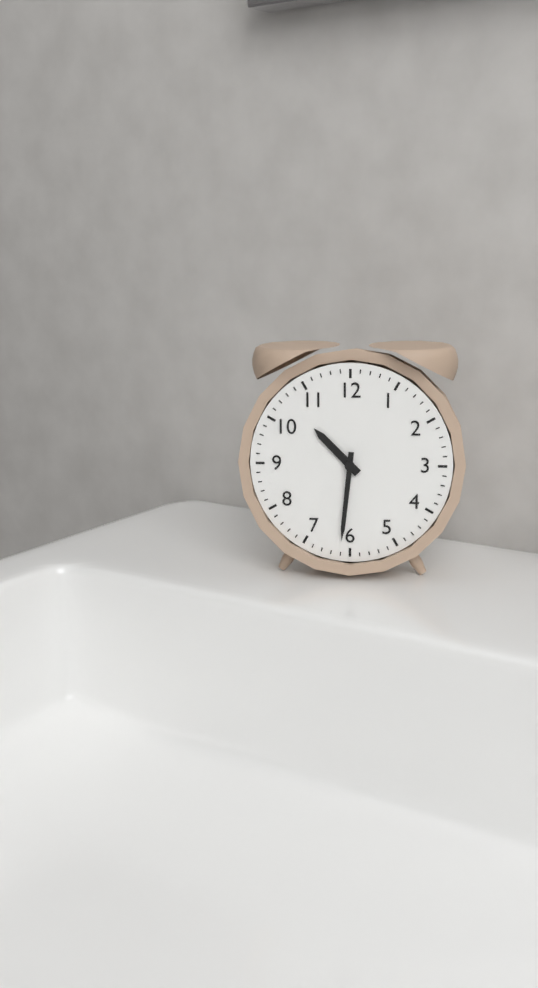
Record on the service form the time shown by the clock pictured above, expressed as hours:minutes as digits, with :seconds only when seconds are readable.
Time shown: 10:31
